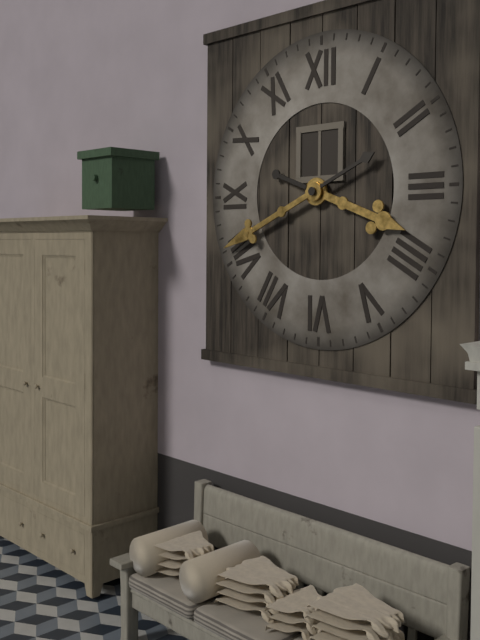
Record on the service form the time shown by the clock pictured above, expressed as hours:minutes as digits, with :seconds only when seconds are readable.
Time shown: 3:41
